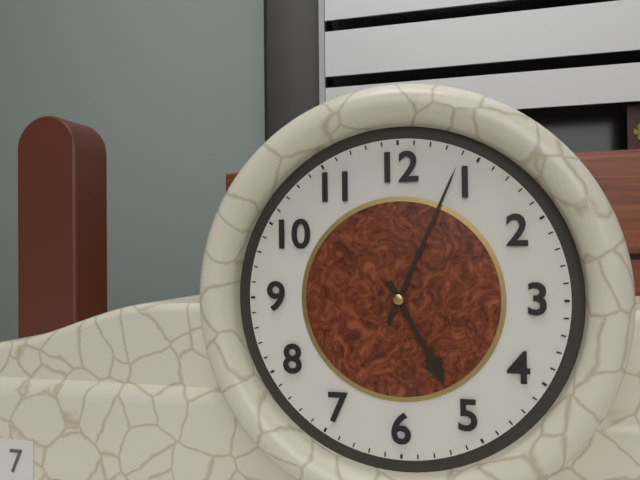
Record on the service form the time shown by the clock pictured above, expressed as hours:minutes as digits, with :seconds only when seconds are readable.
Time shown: 5:04
